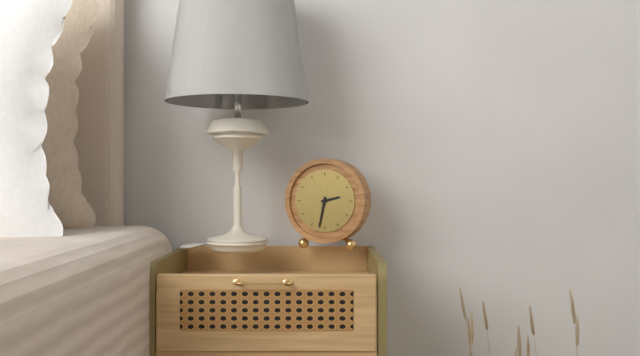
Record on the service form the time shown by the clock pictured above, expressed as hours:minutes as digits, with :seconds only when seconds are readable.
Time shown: 2:32
